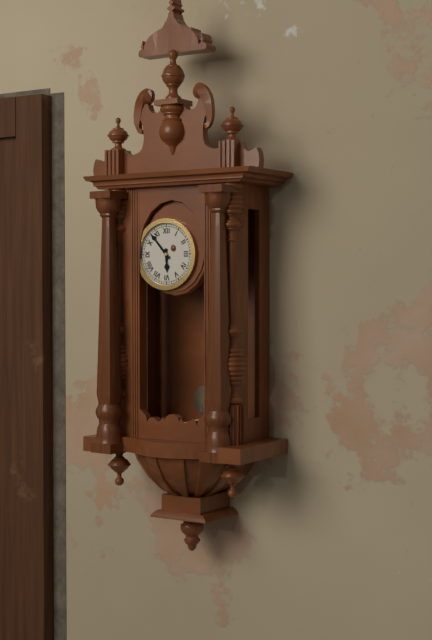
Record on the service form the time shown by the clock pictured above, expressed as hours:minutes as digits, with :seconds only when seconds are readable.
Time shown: 5:53
